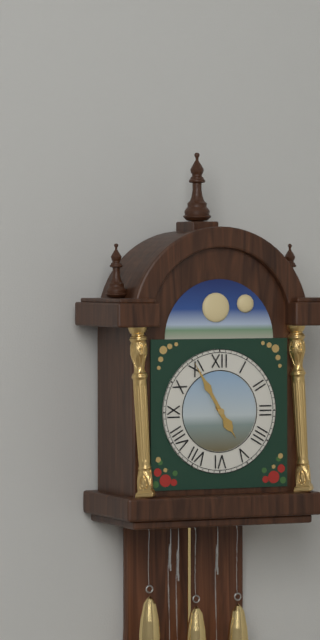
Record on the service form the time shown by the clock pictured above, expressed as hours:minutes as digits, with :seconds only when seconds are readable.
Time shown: 4:55
